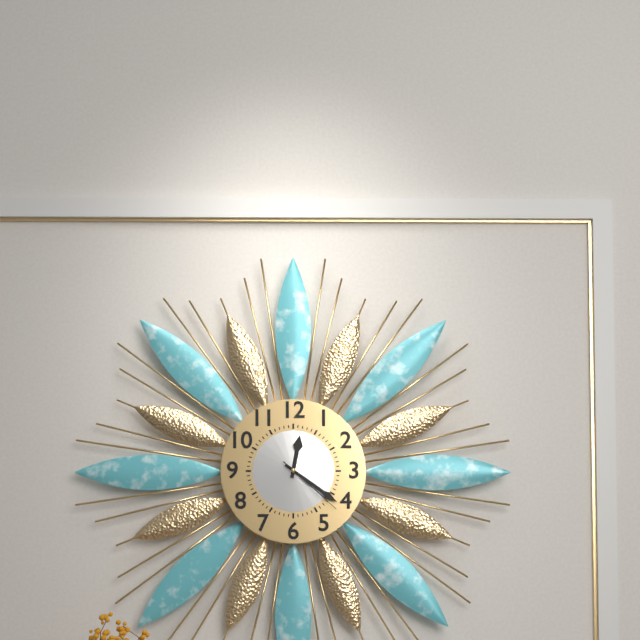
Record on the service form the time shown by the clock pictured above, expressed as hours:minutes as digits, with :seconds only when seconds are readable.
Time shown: 12:21:22
